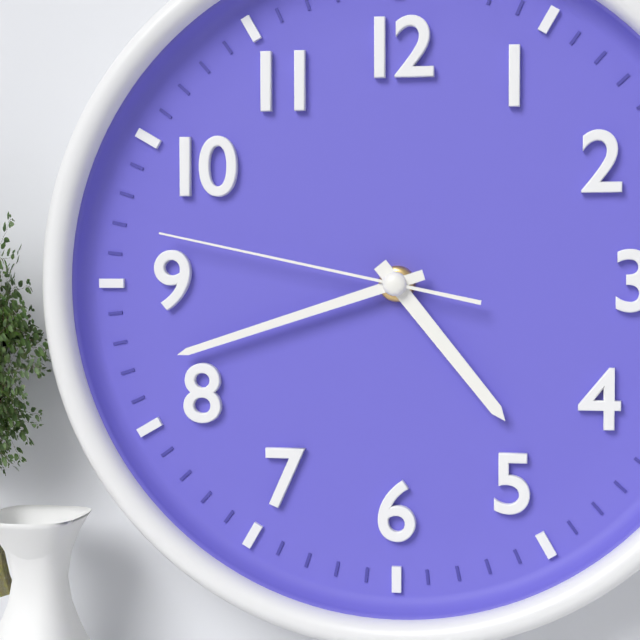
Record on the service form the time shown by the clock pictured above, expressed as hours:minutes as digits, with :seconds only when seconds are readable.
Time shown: 4:42:47
